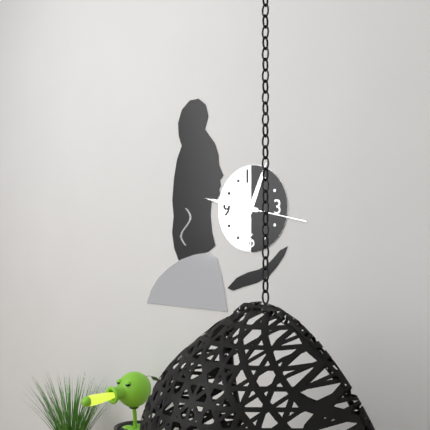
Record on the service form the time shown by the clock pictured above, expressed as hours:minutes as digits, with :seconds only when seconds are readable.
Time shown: 12:47:17
